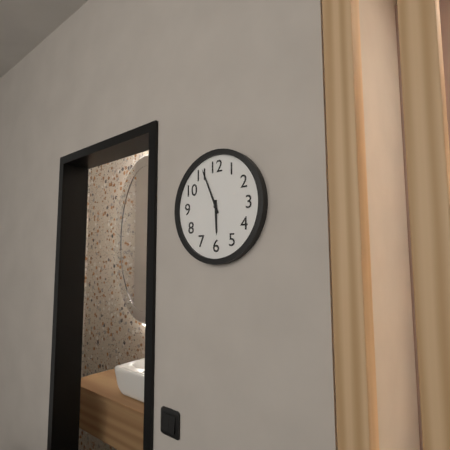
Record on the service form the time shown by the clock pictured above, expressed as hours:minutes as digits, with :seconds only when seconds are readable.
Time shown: 5:56
